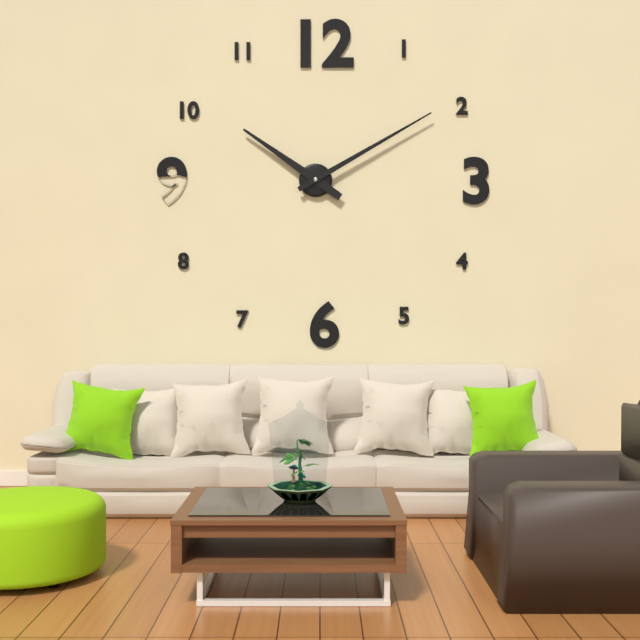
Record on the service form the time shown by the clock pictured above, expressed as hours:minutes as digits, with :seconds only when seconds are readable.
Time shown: 10:10
